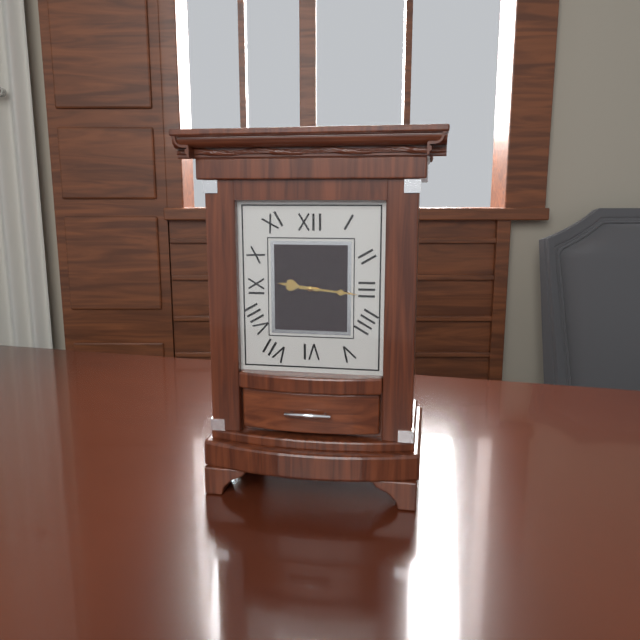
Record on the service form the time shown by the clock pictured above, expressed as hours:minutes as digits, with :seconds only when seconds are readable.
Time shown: 9:16
